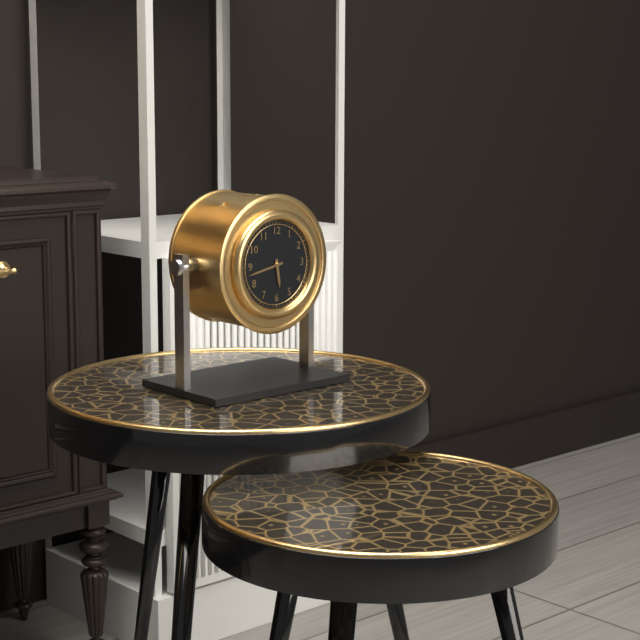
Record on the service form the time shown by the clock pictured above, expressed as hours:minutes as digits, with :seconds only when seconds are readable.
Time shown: 5:43
